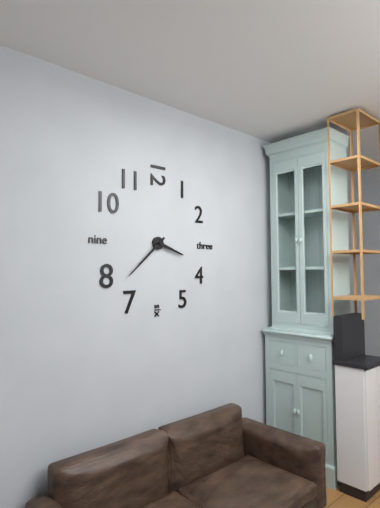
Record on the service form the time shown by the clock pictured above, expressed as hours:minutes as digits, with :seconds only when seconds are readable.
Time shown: 3:38
